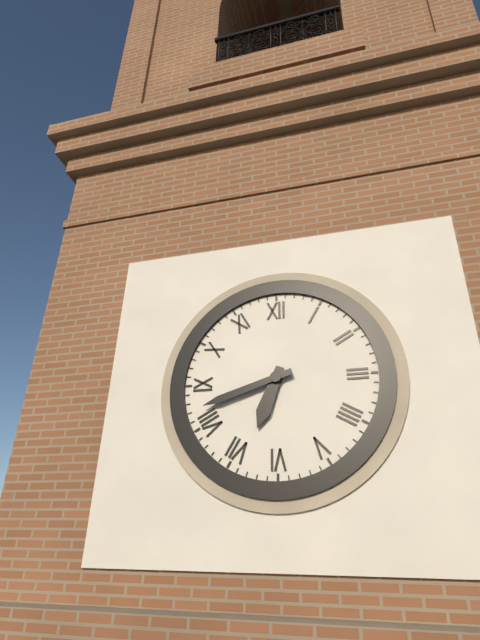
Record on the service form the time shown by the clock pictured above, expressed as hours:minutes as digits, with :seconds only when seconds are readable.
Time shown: 6:42
